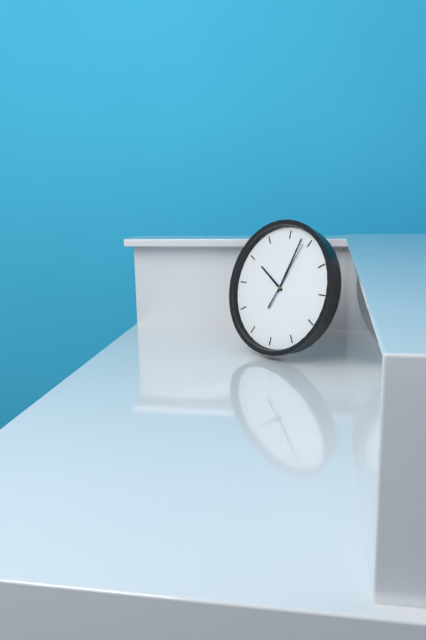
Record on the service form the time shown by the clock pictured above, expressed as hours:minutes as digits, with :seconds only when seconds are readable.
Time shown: 10:03:04
